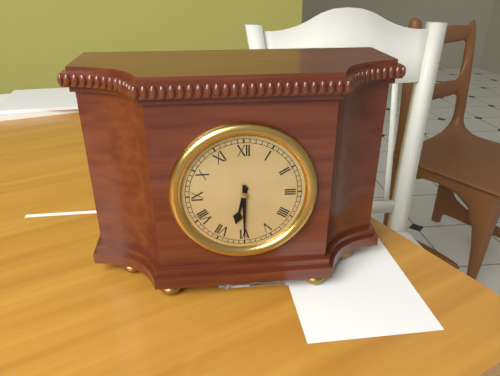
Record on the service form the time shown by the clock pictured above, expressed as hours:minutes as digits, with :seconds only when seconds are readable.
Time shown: 6:30
